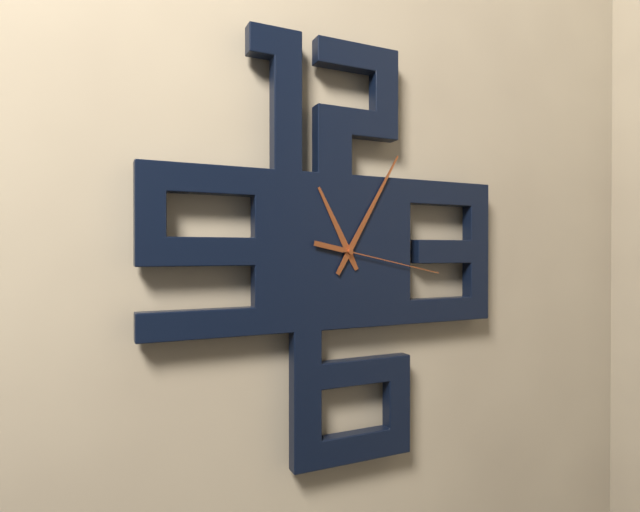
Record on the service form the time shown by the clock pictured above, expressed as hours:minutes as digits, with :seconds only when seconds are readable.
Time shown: 11:05:17
